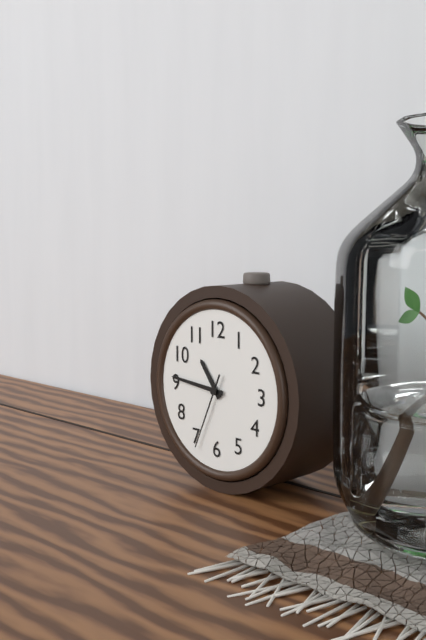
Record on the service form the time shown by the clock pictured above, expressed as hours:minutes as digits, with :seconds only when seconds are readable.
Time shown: 10:46:34
